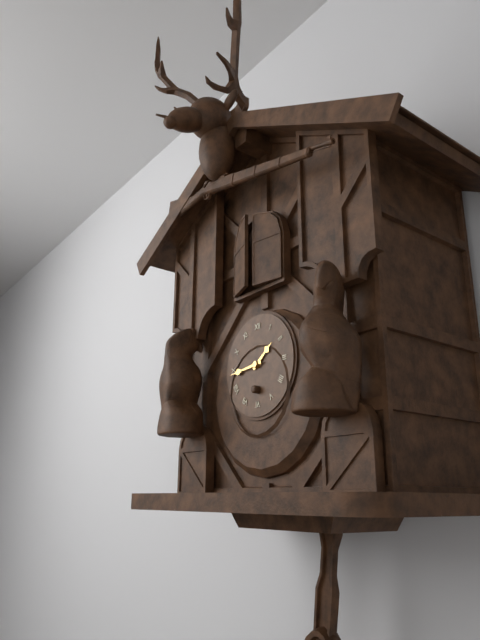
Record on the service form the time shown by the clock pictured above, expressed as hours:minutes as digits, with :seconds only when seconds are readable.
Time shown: 1:44
